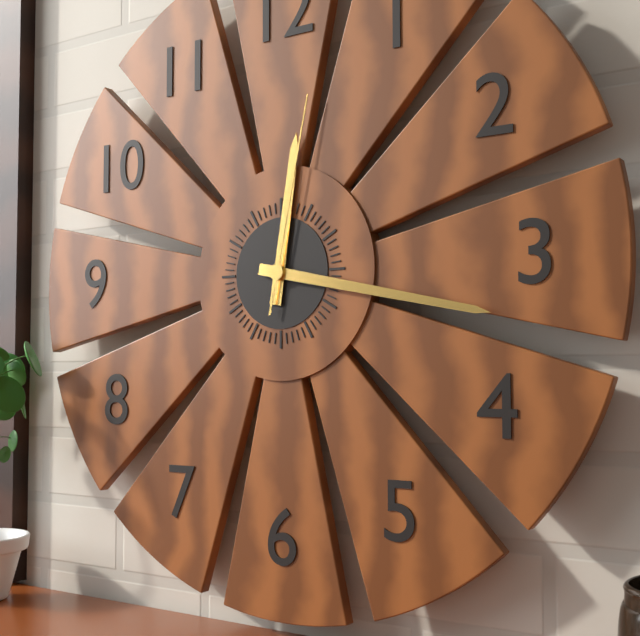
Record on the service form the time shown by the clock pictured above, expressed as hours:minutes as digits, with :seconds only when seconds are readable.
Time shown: 12:17:02
